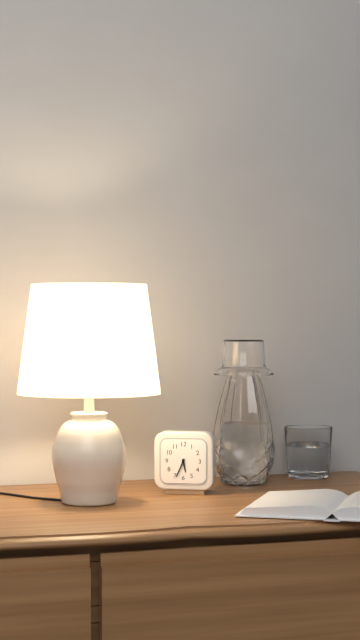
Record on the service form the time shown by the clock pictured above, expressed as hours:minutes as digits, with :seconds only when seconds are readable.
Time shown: 5:34
